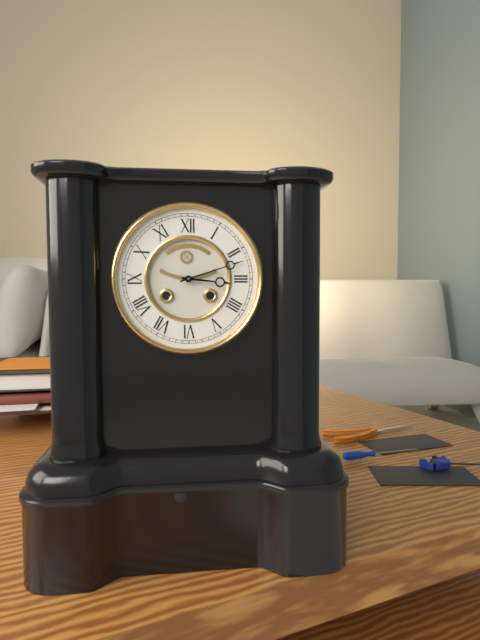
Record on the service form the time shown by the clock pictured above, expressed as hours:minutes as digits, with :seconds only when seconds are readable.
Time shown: 3:12
